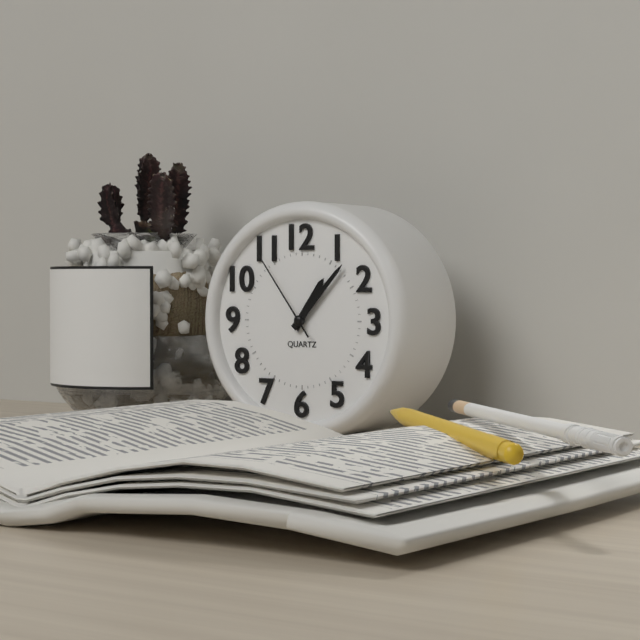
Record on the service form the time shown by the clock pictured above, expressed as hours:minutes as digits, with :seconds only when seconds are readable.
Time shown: 1:07:54
